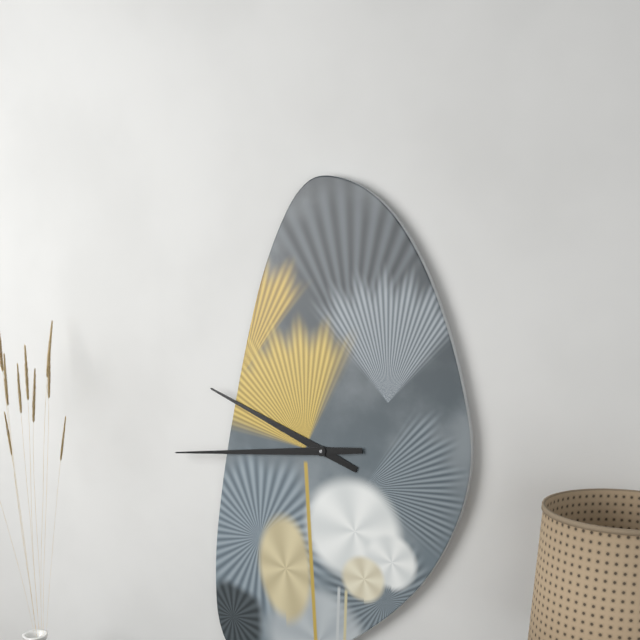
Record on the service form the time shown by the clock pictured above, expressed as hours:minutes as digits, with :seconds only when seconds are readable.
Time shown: 9:44
